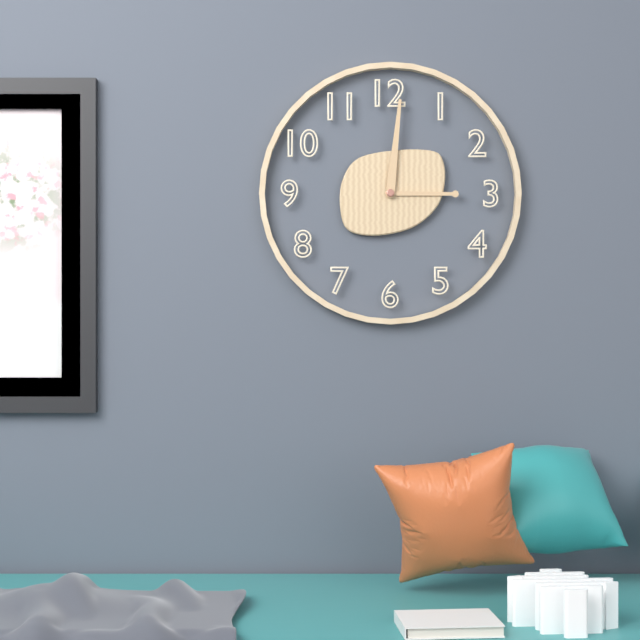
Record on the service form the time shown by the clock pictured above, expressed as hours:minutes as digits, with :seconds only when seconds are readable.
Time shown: 3:01
